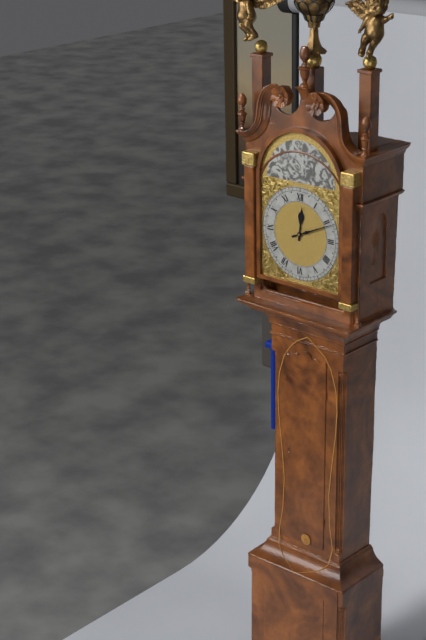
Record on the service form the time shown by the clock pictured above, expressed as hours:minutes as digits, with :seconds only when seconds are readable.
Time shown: 12:11
